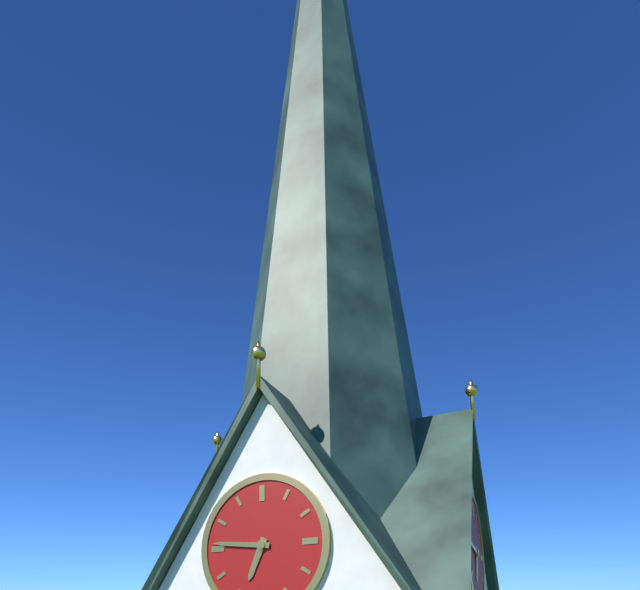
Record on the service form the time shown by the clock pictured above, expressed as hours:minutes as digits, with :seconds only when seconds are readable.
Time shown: 6:46
